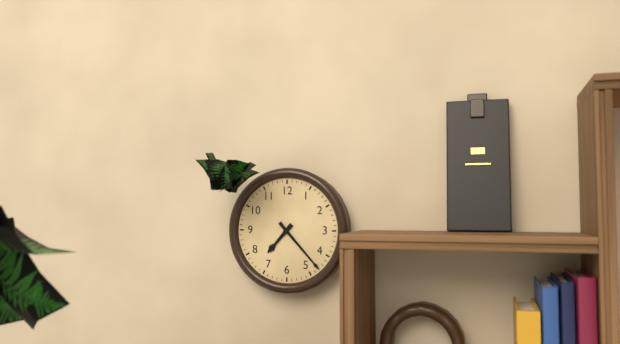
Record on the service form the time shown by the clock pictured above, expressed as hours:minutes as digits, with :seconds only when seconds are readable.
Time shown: 7:23
